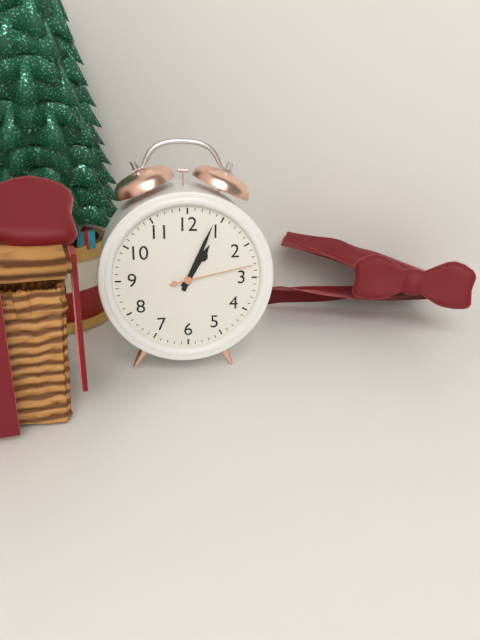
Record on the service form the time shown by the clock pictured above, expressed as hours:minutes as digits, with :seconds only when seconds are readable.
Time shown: 1:04:13
